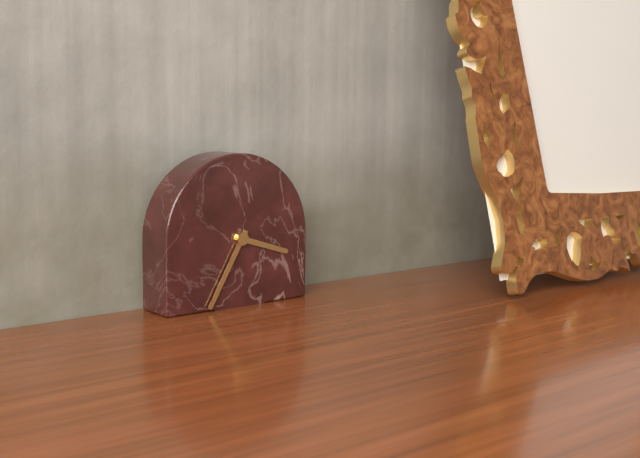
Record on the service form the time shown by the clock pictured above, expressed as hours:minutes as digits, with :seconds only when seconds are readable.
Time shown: 3:35
